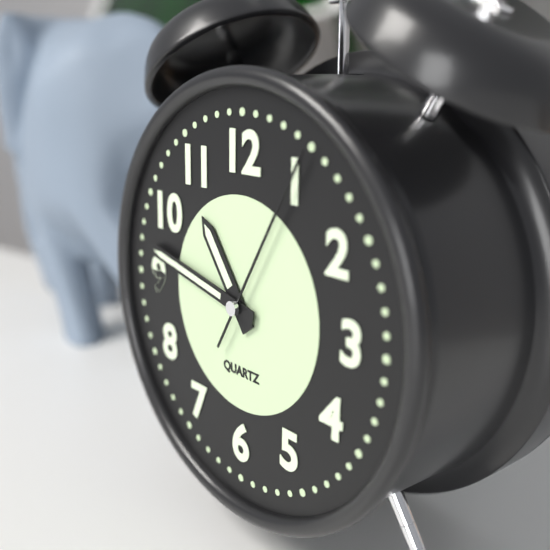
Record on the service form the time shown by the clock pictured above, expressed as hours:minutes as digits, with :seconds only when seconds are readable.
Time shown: 10:47:05
